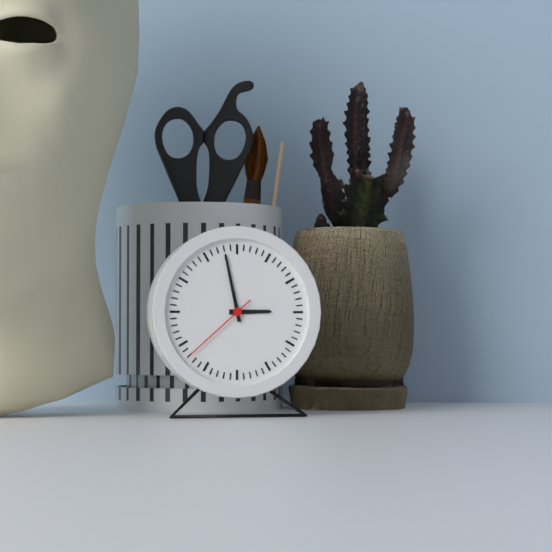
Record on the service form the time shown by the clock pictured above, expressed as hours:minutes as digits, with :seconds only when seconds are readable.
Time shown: 2:58:38
